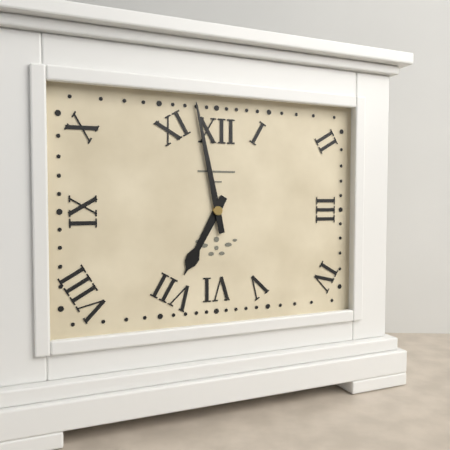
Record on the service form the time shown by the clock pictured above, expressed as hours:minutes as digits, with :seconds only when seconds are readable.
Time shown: 6:58
